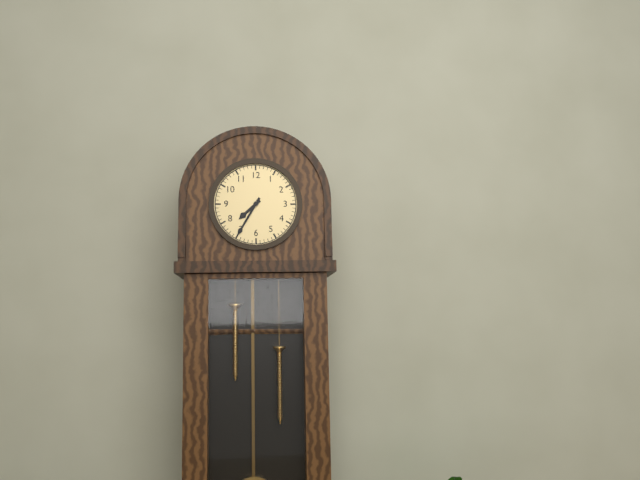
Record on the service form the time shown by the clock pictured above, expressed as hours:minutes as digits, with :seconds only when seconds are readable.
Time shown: 7:35
